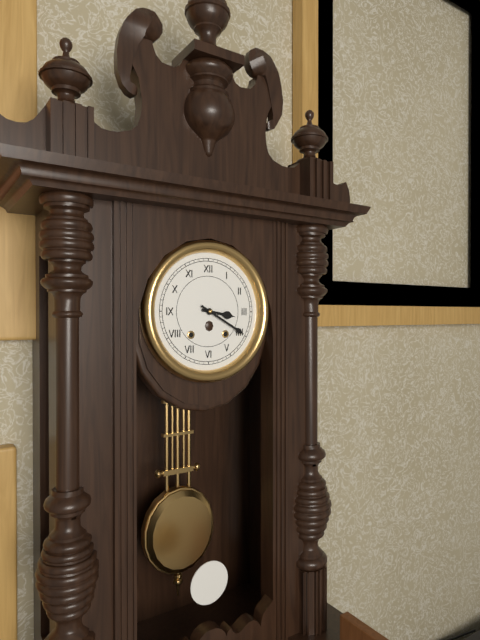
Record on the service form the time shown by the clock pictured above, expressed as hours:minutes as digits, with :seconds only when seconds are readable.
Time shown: 3:20
